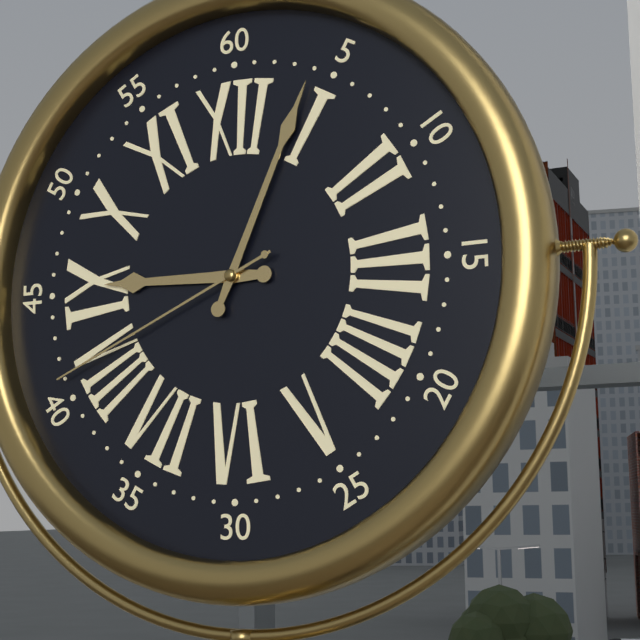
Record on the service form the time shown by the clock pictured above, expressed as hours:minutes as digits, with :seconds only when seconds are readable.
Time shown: 9:04:41
